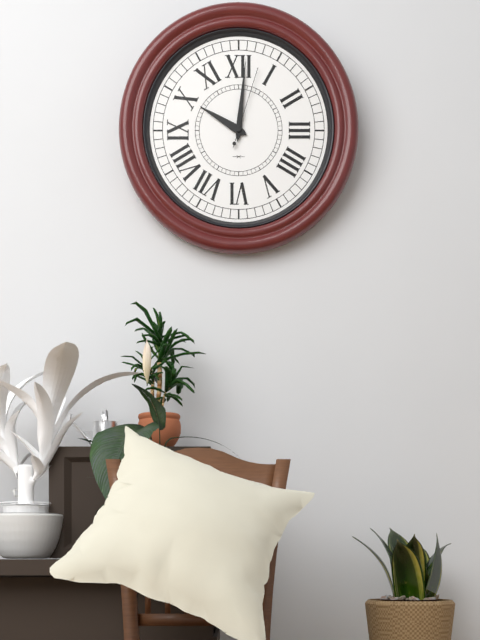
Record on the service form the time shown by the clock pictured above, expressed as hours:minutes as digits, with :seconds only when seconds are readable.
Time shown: 10:01:03
